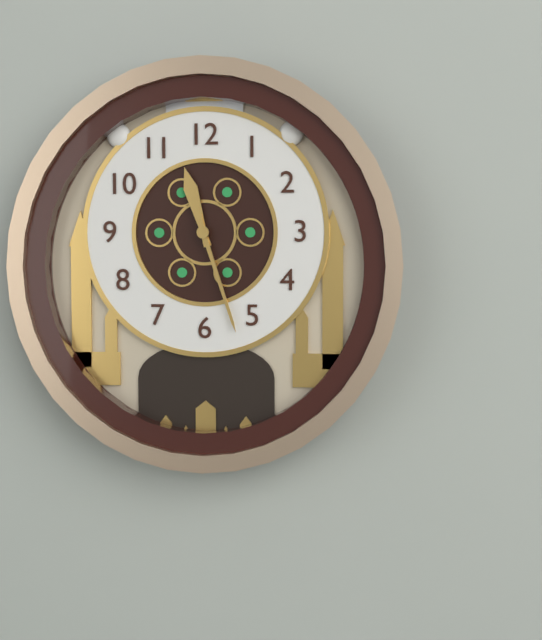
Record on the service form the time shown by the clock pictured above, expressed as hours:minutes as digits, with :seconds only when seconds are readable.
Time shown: 11:27
